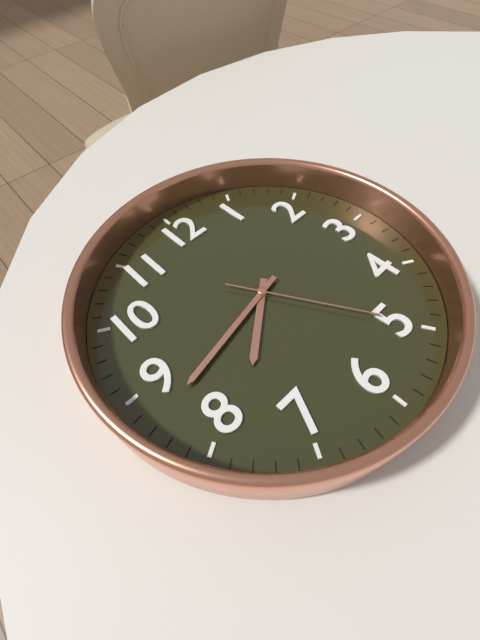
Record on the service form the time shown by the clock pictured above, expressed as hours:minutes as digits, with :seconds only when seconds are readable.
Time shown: 7:43:25
